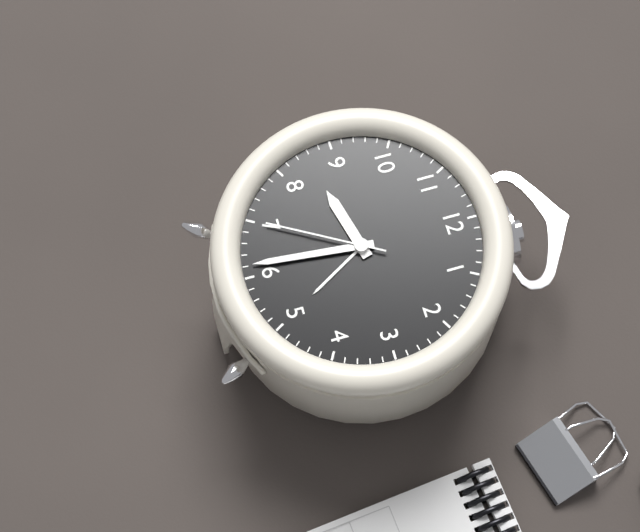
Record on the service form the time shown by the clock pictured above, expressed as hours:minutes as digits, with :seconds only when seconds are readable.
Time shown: 8:31:35
